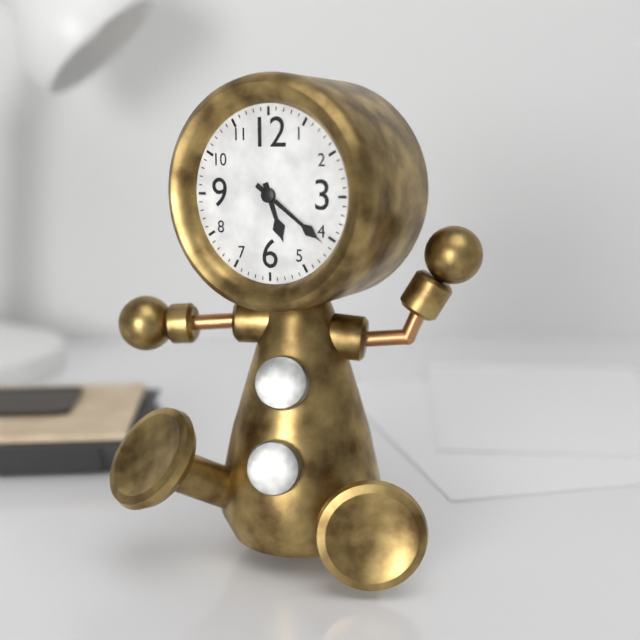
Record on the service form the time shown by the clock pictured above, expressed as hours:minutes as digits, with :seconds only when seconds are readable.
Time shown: 5:21
